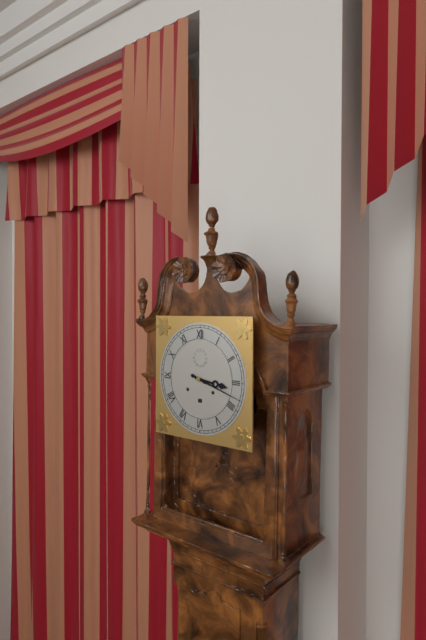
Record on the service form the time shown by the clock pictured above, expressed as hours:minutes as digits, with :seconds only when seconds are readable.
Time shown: 3:18
